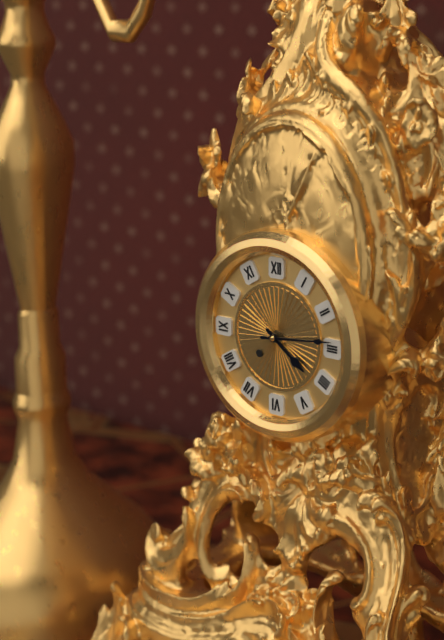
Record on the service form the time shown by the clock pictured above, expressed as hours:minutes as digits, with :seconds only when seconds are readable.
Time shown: 4:14
